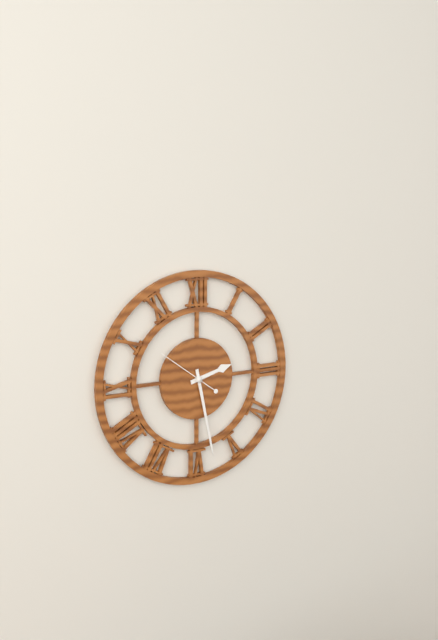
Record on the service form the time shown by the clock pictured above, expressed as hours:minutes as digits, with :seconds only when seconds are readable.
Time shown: 2:28:51
